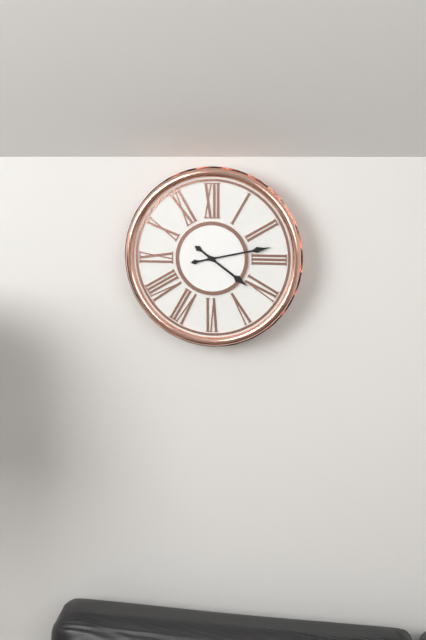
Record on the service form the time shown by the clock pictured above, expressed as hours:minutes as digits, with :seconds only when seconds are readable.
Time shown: 4:13
